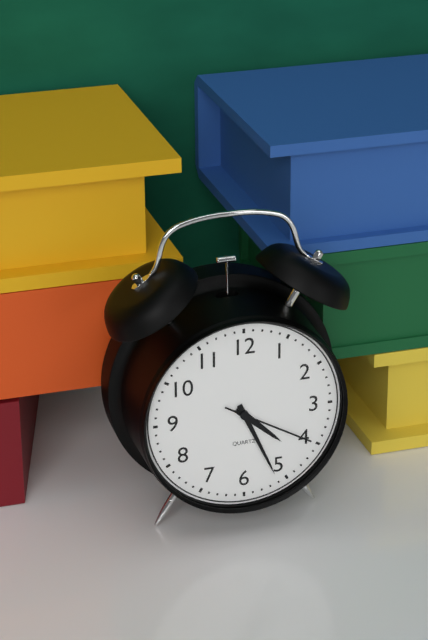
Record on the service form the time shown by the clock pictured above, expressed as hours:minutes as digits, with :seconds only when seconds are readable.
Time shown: 4:26:20
